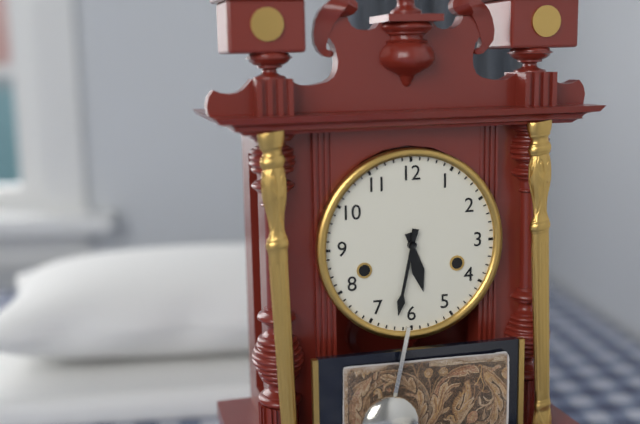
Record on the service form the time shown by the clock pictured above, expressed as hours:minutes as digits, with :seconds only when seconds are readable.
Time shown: 5:32
